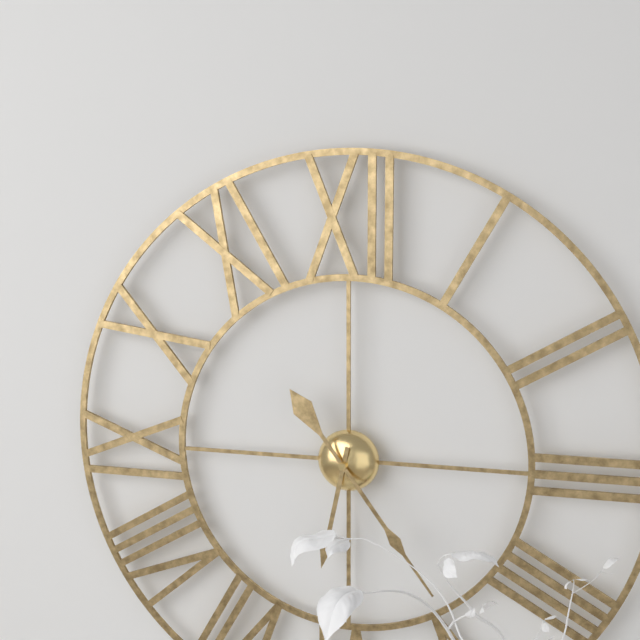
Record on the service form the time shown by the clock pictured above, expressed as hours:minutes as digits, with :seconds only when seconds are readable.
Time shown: 6:24
